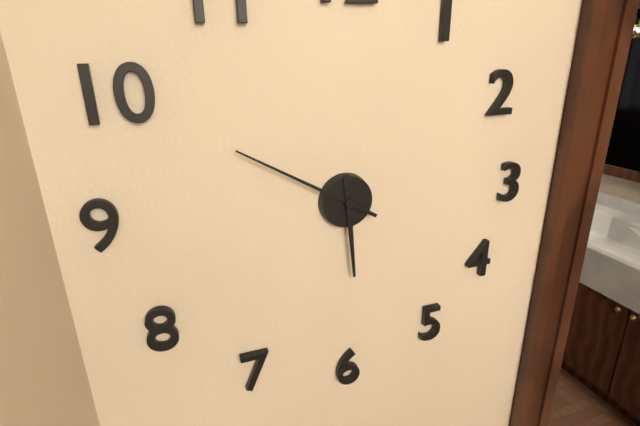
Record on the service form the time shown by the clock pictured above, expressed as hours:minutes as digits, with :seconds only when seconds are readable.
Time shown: 5:50
